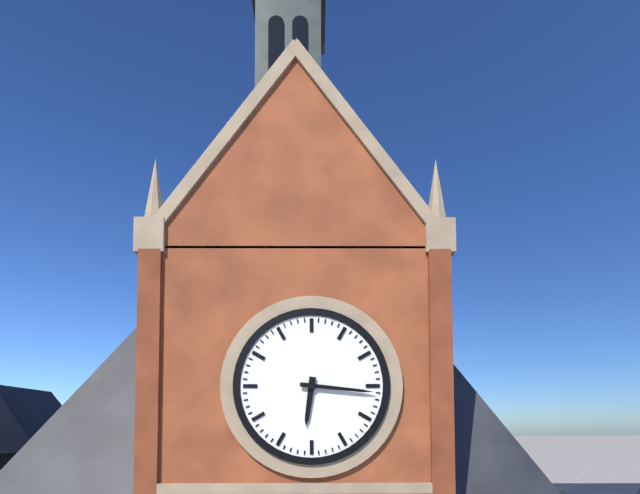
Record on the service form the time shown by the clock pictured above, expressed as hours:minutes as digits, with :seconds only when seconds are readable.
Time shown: 6:16
